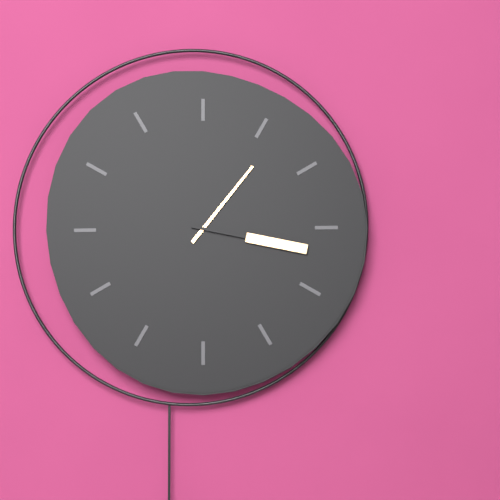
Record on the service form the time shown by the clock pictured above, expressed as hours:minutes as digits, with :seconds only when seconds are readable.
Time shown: 1:17
